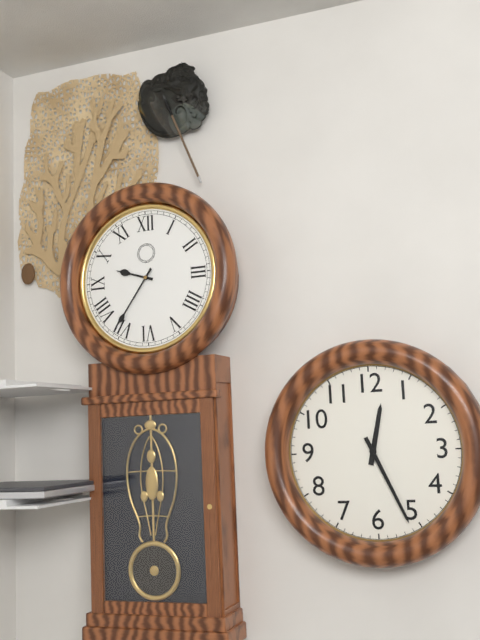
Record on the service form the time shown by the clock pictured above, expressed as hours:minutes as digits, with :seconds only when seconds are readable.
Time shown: 9:36
